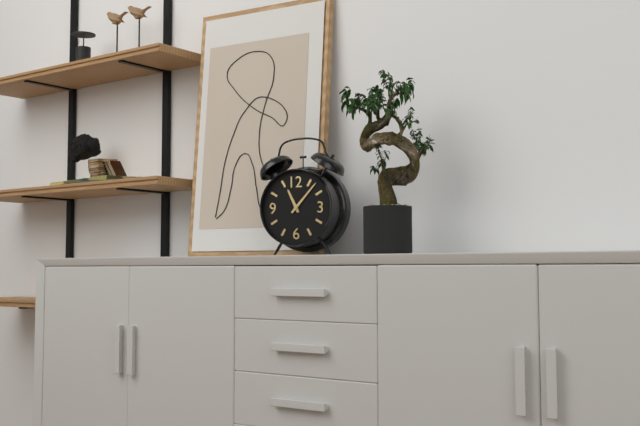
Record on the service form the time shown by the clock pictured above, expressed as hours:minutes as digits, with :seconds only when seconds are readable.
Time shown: 11:07
